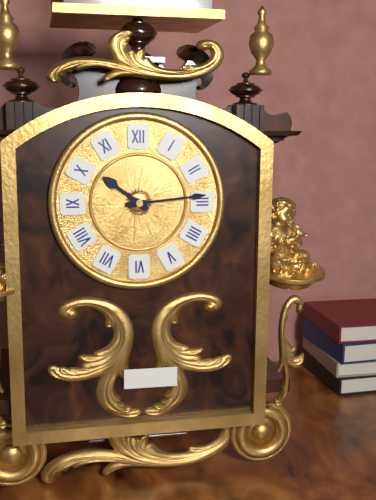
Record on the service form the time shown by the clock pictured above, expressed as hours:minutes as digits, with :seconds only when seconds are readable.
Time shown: 10:14
